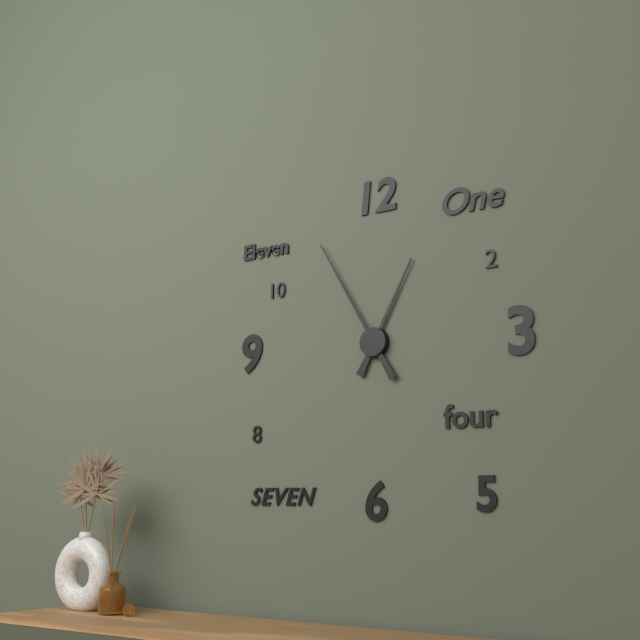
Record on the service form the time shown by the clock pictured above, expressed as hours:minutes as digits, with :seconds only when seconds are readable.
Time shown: 12:55
